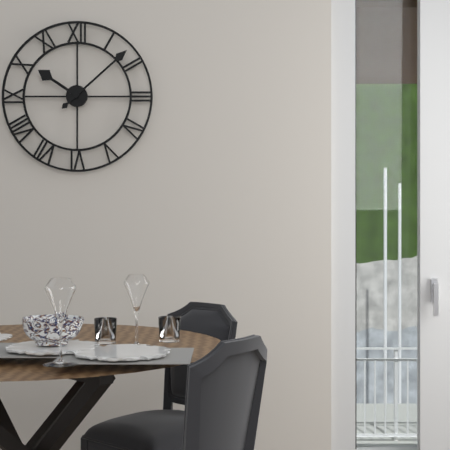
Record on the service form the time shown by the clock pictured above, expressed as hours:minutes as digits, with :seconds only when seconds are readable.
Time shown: 10:08
